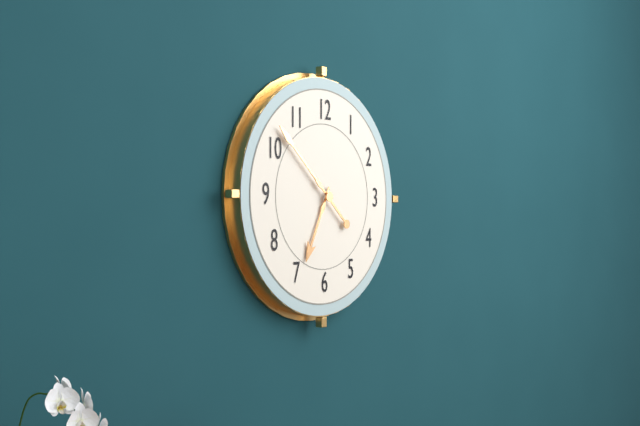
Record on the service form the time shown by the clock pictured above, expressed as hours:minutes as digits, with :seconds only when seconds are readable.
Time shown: 6:52
